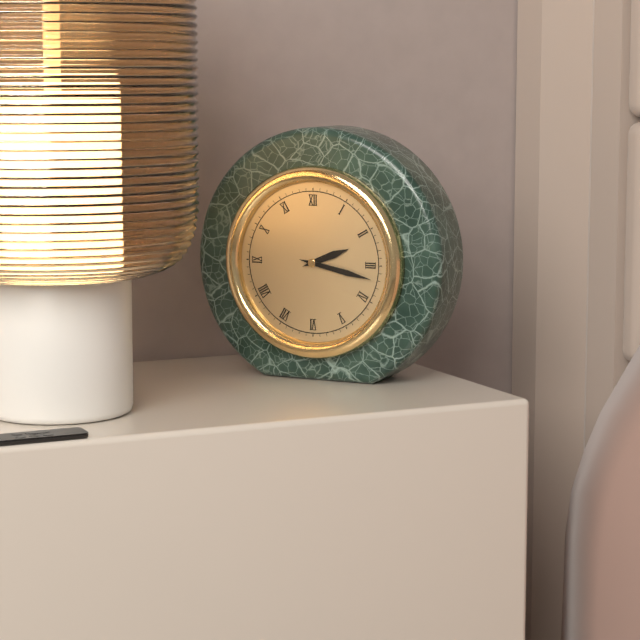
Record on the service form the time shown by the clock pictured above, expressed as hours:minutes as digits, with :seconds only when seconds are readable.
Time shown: 2:17
